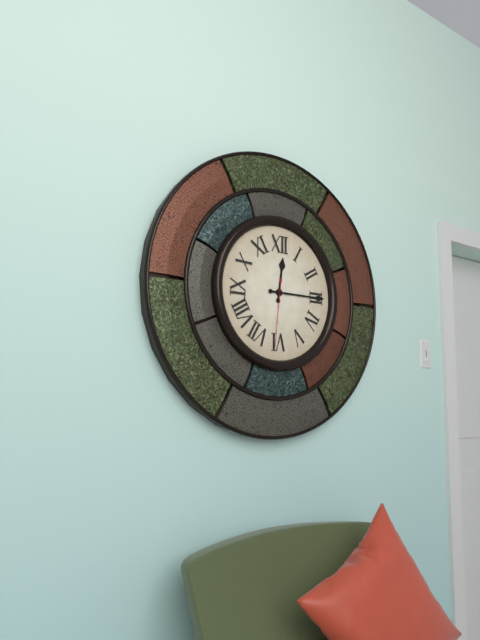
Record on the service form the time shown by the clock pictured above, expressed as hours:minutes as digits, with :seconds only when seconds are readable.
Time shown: 12:15:31
